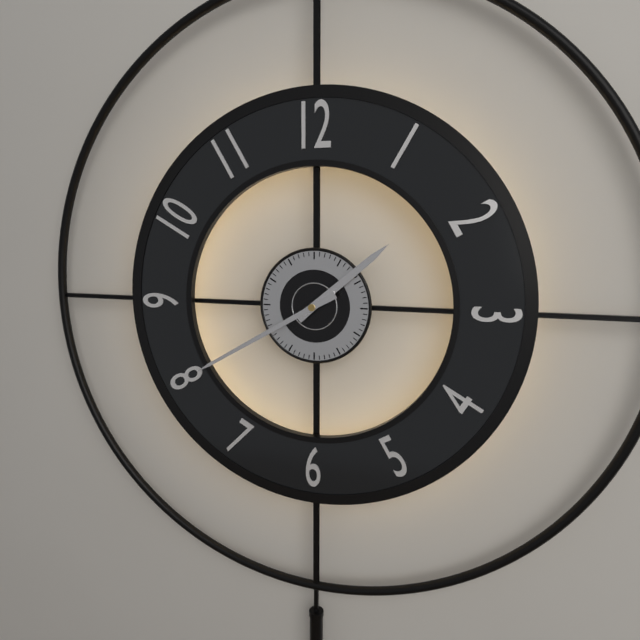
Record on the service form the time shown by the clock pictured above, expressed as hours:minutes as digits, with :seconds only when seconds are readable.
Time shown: 1:40
